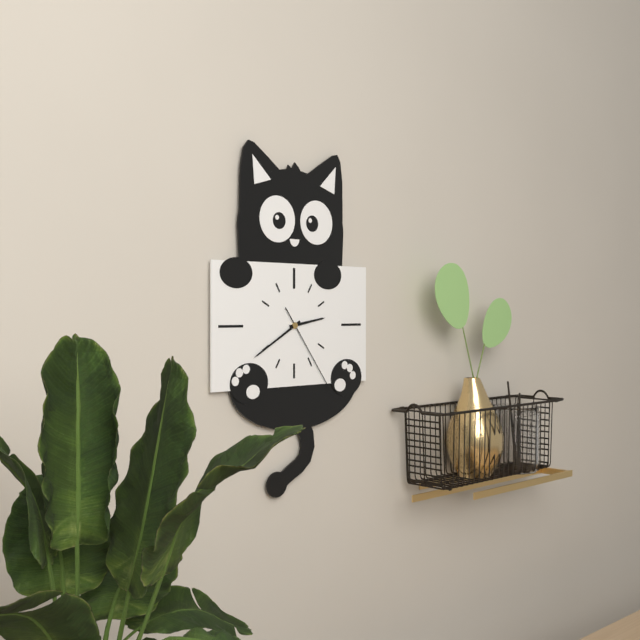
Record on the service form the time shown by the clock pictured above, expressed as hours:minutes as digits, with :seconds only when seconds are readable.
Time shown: 2:40:24
